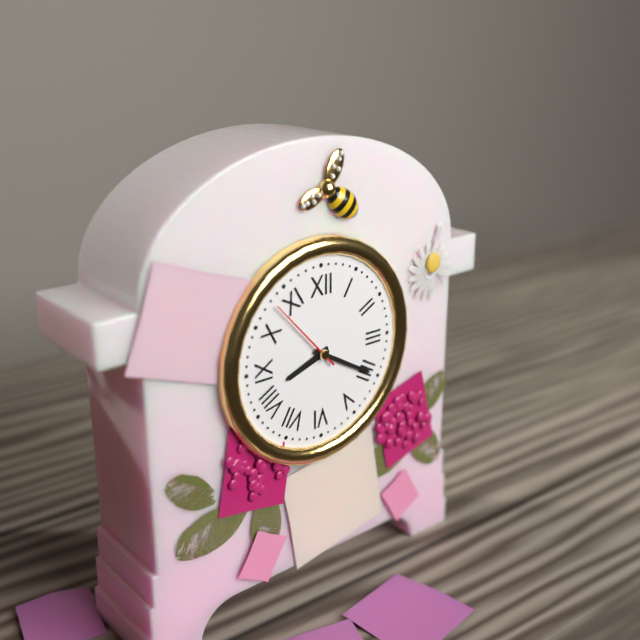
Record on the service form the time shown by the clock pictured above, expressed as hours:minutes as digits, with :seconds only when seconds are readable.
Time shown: 8:20:53
